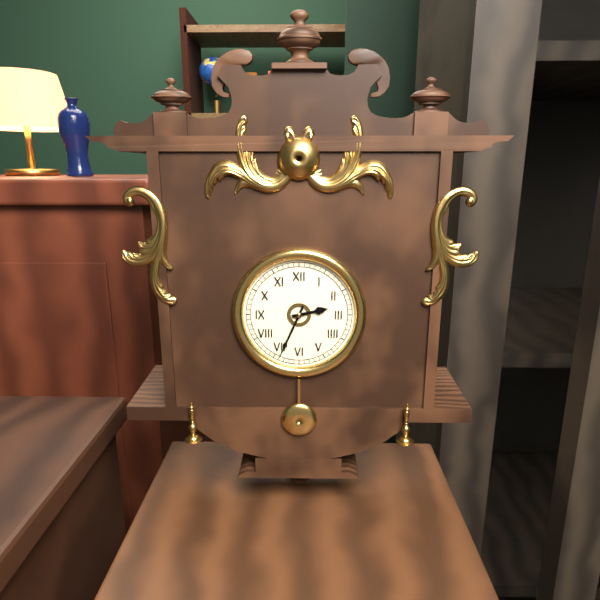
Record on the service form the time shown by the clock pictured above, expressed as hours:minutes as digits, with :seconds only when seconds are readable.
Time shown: 2:34
